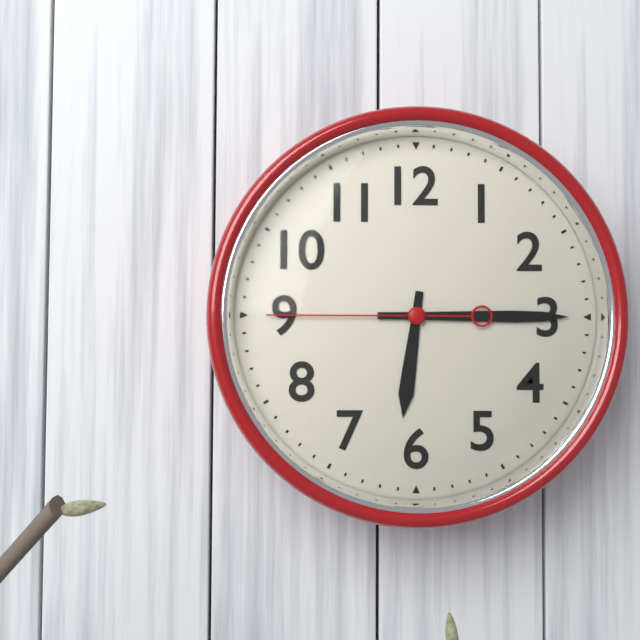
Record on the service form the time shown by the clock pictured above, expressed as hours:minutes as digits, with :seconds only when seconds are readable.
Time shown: 6:15:45
